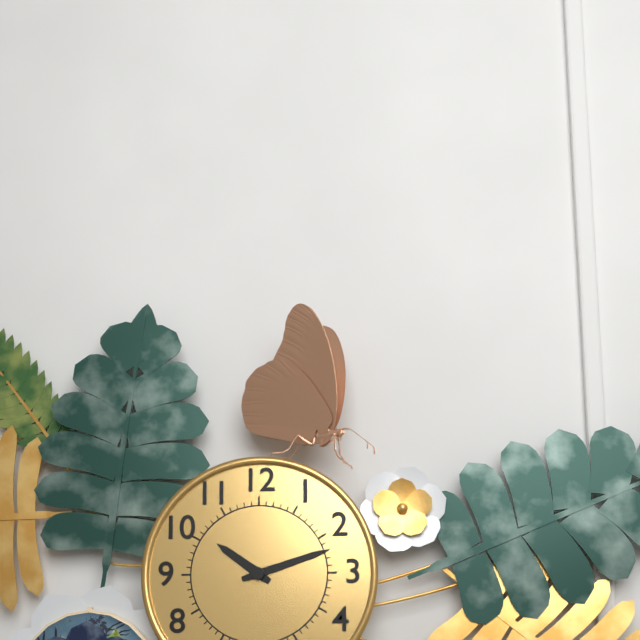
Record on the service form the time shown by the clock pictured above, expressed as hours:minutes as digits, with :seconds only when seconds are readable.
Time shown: 10:12
